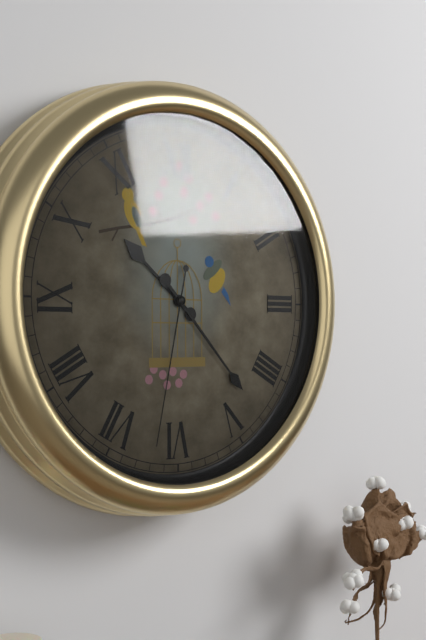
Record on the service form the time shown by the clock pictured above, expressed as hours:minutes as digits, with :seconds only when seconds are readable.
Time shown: 10:23:32
